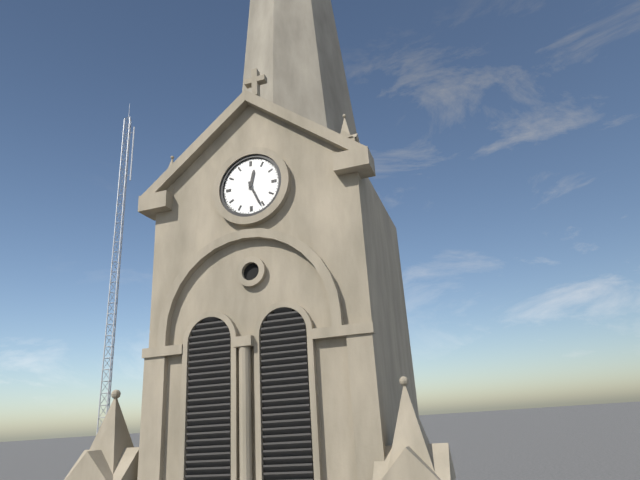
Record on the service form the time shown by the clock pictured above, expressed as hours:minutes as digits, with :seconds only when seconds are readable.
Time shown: 12:26
